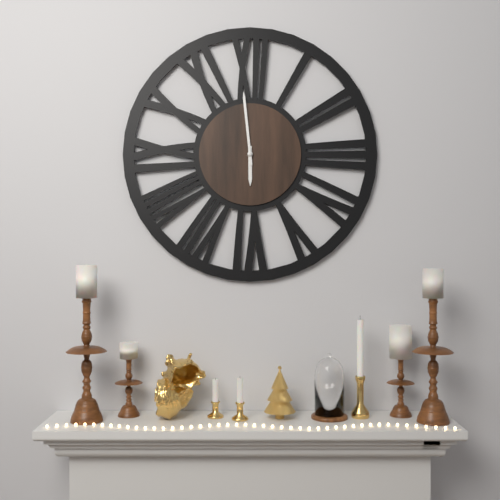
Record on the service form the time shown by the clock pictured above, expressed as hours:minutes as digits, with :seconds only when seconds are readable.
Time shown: 5:59
